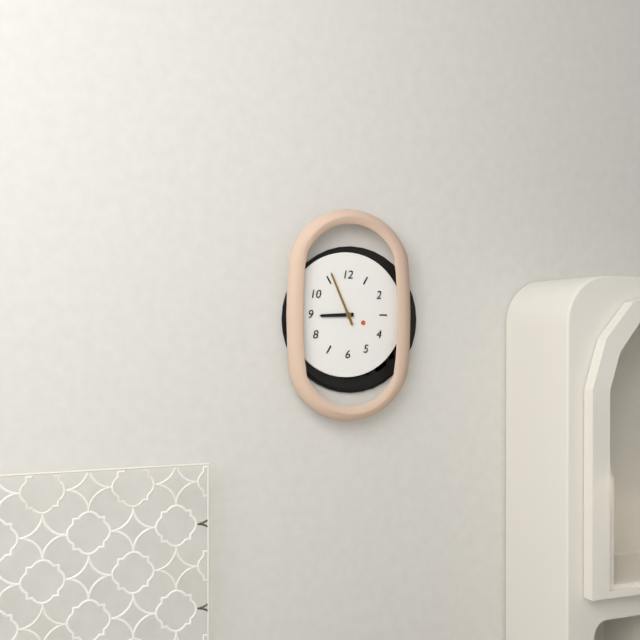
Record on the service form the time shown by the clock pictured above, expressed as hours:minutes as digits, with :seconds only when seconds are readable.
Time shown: 8:56
